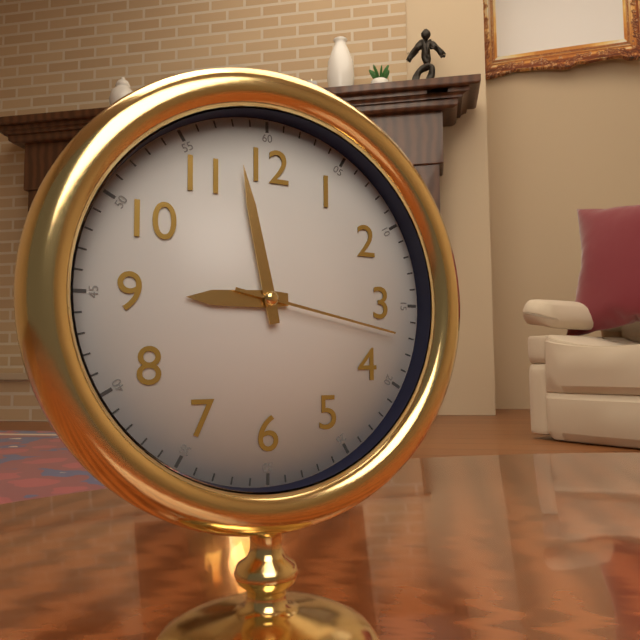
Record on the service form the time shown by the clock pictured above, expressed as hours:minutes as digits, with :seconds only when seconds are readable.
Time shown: 8:58:17
